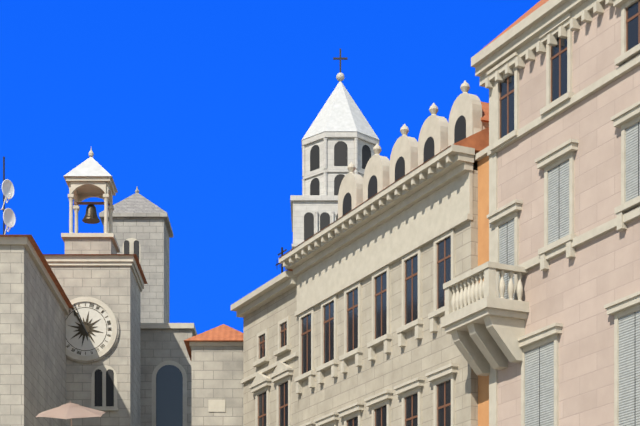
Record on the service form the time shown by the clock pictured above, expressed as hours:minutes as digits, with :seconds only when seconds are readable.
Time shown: 10:56
